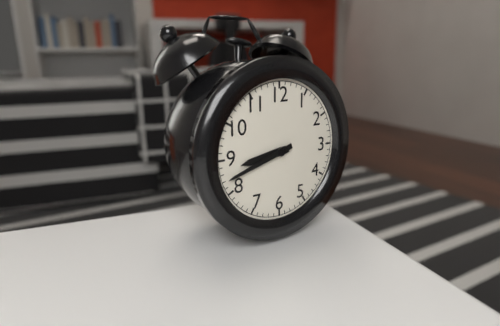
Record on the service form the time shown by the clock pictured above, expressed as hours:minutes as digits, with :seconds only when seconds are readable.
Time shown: 8:42
